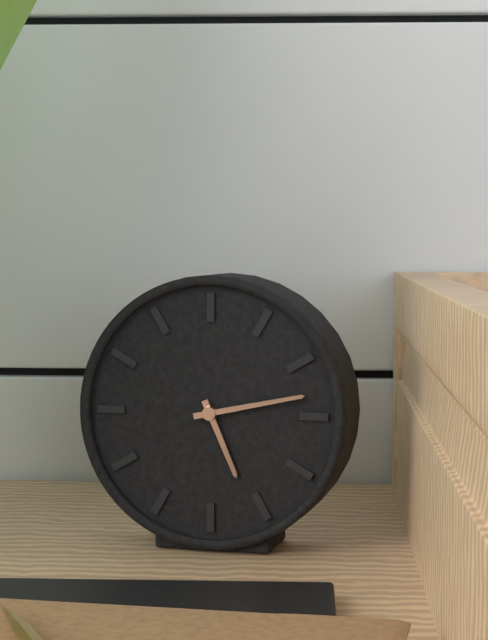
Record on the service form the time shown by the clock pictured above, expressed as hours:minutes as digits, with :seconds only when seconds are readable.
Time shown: 5:13
